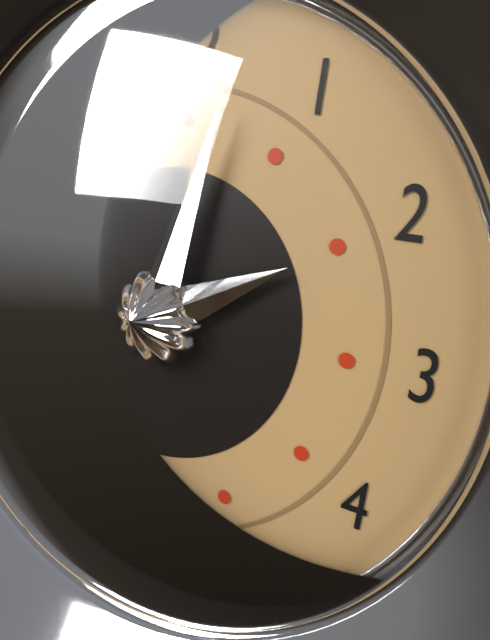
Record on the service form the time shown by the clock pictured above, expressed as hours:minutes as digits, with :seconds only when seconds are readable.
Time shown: 2:02
